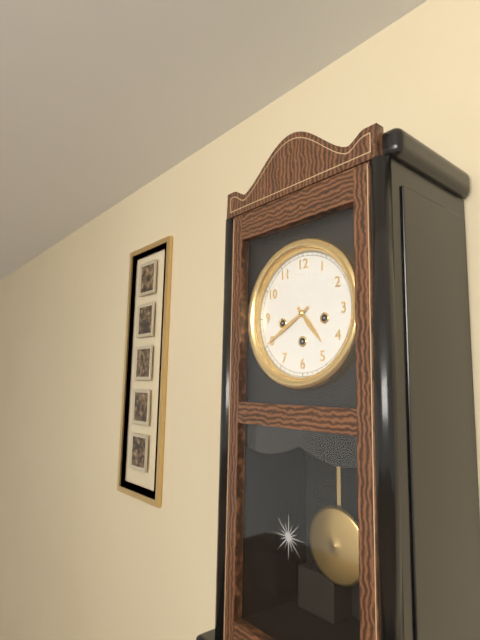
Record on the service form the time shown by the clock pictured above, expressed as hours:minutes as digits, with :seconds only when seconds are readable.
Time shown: 4:40
